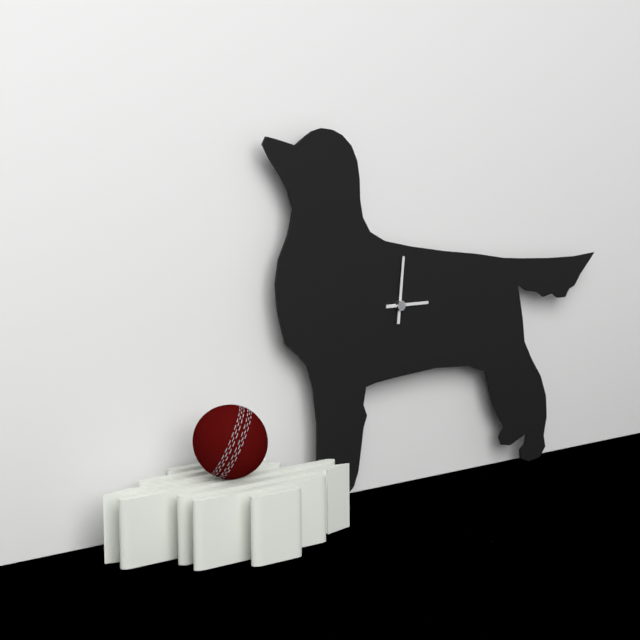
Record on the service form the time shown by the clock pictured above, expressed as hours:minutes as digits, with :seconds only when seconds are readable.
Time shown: 3:01
